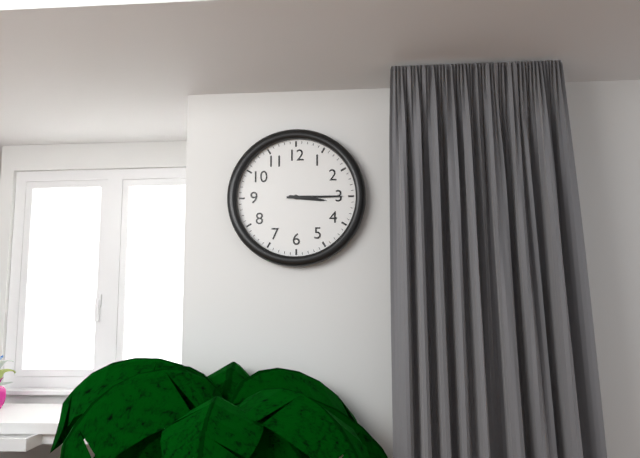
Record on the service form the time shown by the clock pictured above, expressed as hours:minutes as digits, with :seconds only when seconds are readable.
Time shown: 3:15
